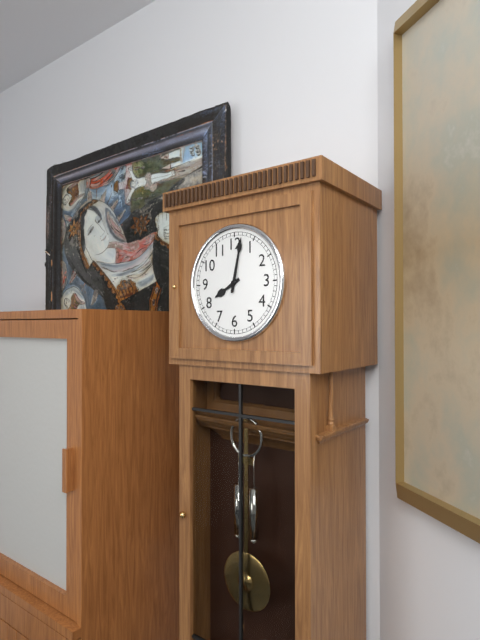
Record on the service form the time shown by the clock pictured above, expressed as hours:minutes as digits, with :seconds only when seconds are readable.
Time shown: 8:02
